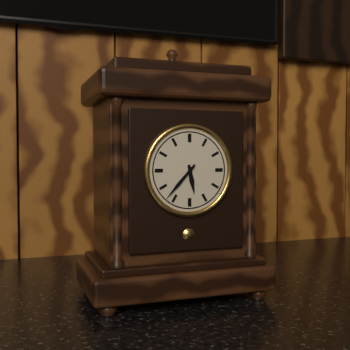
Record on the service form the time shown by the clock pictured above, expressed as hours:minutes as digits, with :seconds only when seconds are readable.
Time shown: 5:37
